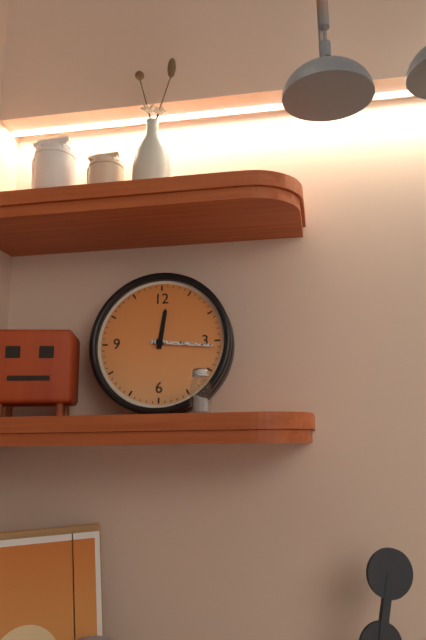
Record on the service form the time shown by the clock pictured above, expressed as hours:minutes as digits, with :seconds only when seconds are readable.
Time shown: 12:16
